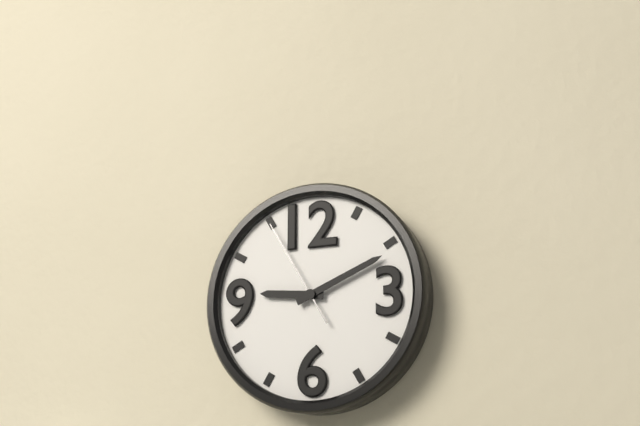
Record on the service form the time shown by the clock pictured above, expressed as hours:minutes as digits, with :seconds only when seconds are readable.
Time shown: 9:11:55
